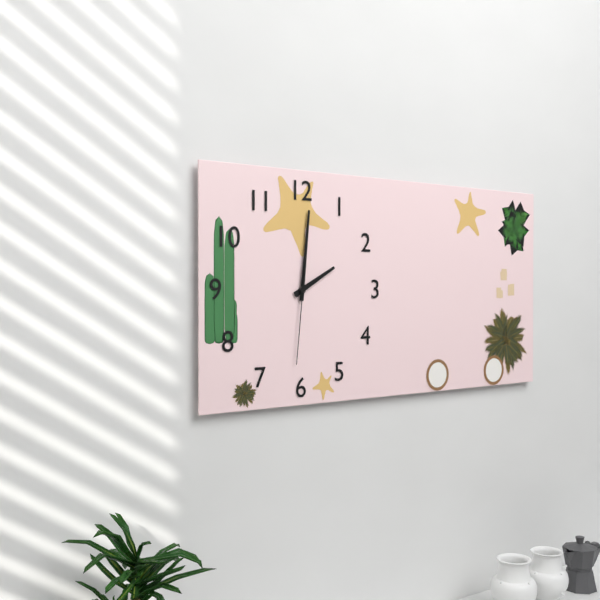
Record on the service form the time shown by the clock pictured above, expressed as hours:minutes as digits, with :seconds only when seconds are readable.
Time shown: 2:01:31
